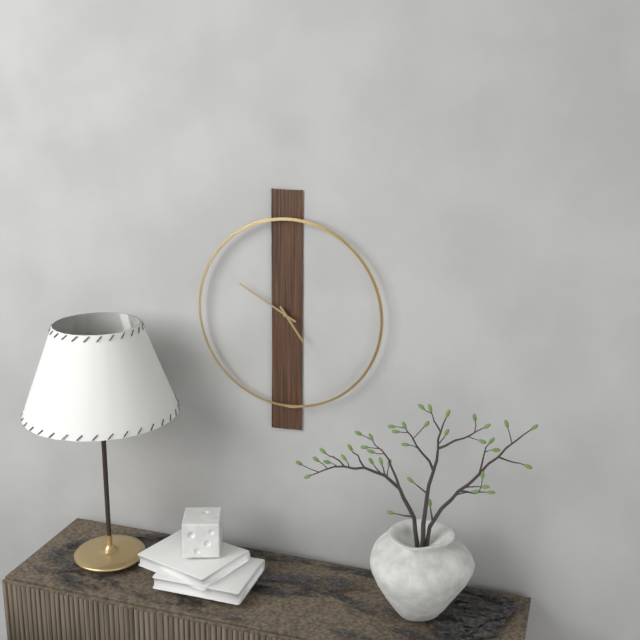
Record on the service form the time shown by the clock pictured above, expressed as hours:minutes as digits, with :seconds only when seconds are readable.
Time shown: 4:50
